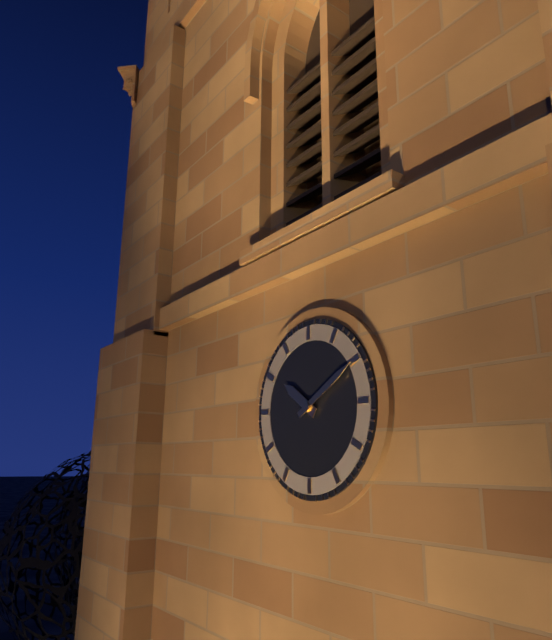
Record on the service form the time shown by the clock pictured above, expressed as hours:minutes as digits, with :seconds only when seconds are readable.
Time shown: 10:10
